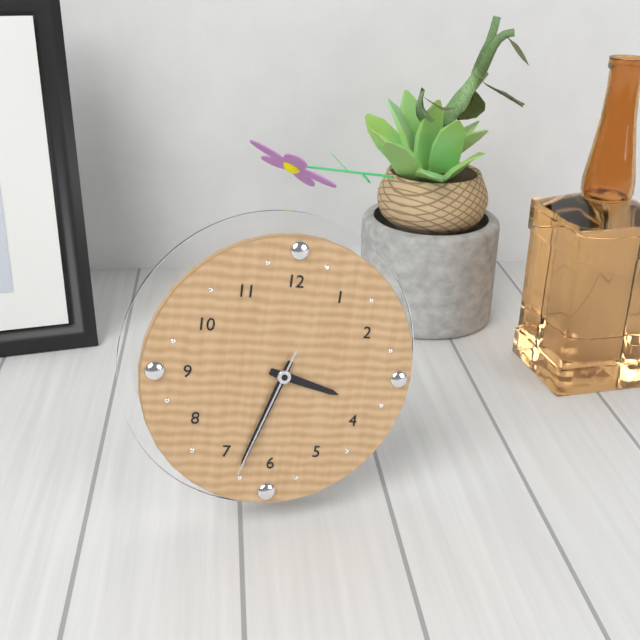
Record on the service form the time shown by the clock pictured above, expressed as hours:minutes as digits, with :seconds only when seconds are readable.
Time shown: 3:33:33
